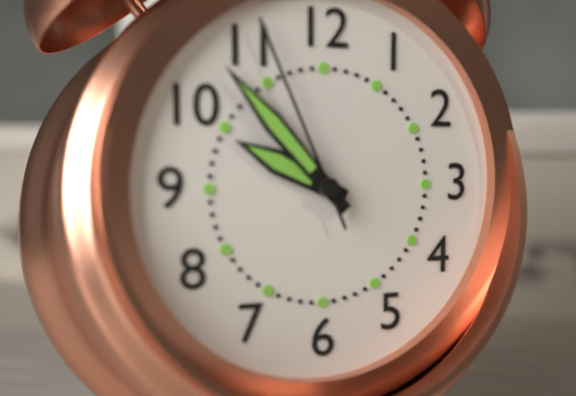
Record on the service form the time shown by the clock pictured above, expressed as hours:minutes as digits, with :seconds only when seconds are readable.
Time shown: 9:53:56
